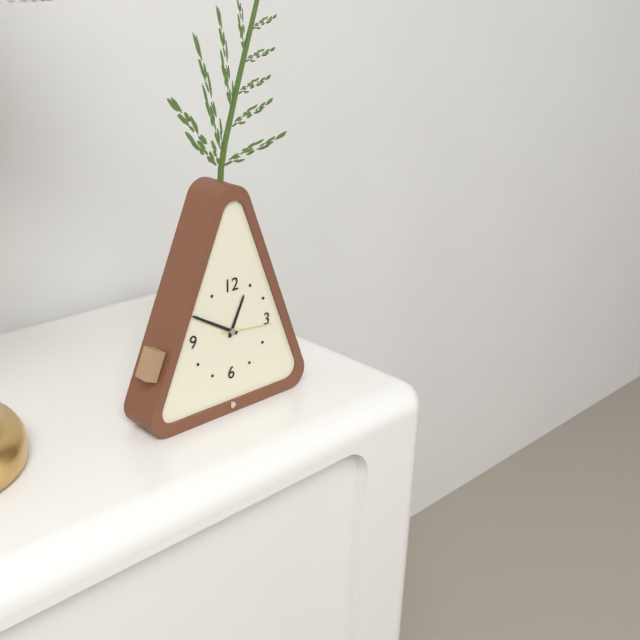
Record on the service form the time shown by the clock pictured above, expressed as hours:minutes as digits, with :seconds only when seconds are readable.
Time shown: 12:50:16
